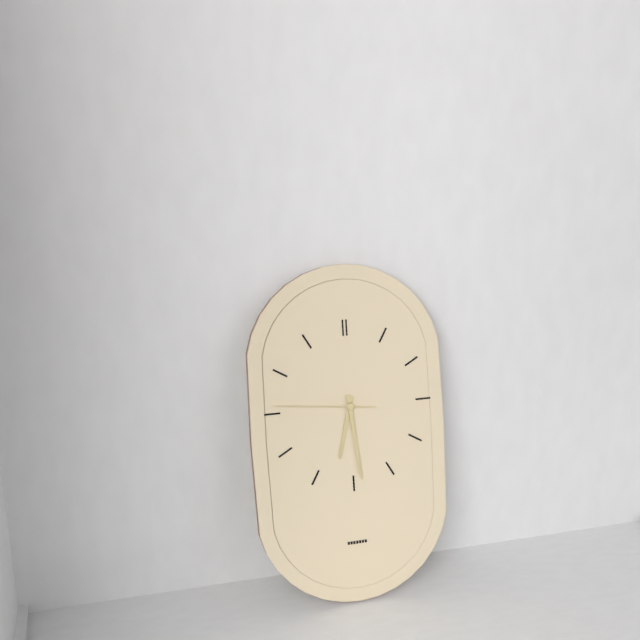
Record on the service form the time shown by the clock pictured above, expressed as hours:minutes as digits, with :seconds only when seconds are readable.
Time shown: 6:29:46
